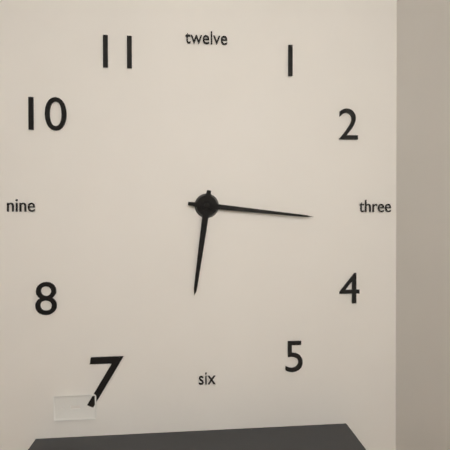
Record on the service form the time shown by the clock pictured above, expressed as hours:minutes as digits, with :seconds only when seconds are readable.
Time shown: 6:16
